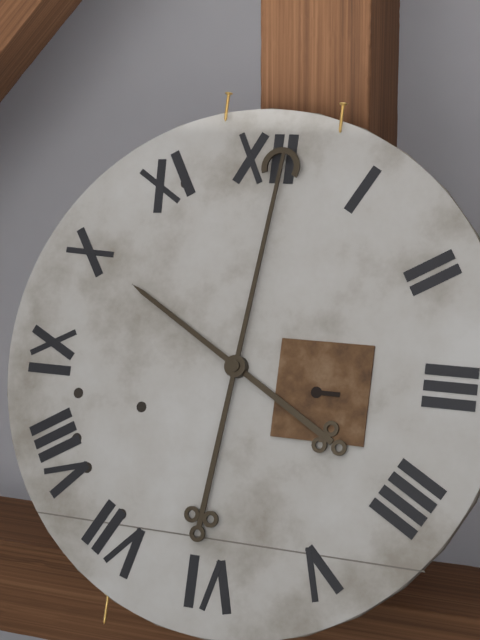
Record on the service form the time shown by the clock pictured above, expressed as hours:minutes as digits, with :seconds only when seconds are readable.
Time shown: 10:01
